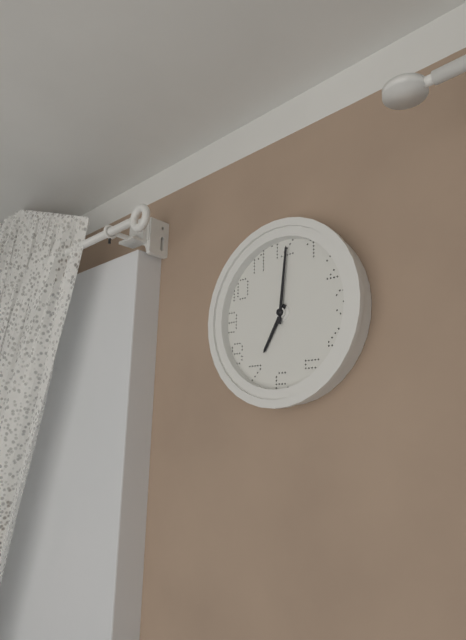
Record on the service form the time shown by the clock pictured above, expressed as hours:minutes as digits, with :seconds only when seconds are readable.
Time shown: 7:01
